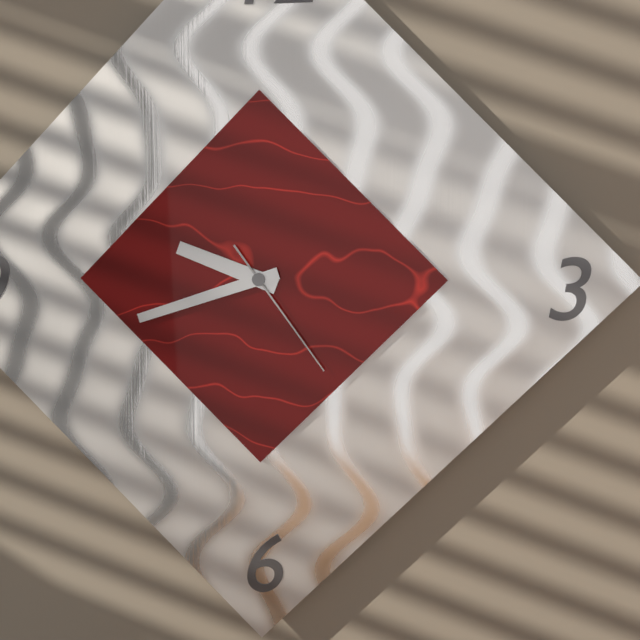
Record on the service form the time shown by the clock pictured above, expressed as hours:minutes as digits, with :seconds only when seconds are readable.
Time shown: 9:42:24
